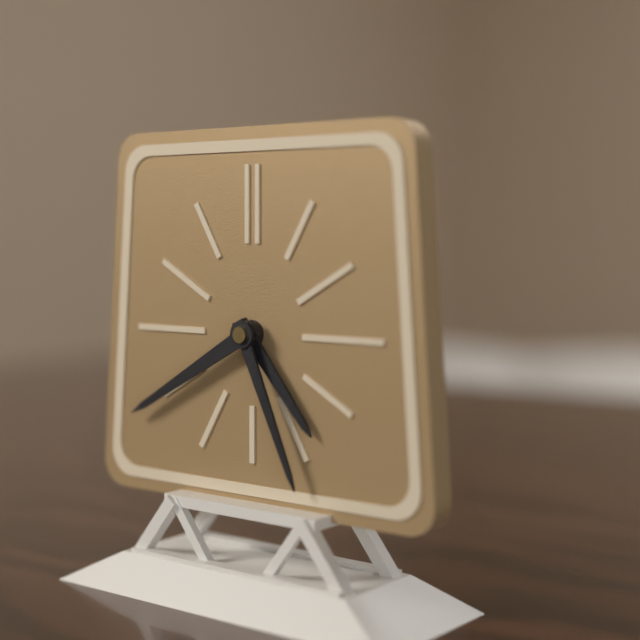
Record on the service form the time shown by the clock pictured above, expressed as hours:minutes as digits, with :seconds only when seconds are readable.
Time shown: 4:40:26
